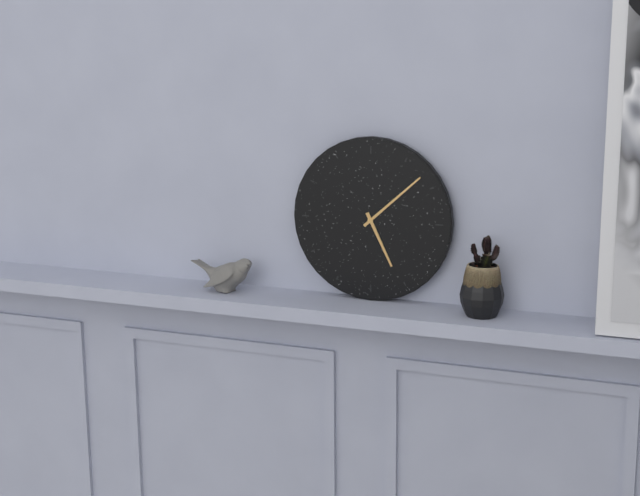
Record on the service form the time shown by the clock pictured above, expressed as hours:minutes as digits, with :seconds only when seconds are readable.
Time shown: 5:08
